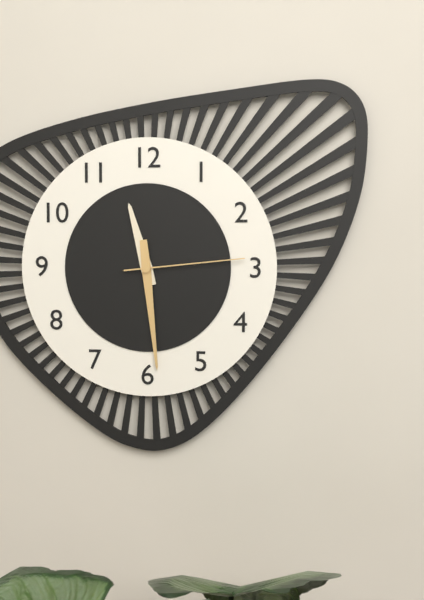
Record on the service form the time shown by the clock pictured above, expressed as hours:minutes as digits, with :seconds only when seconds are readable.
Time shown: 11:29:14
